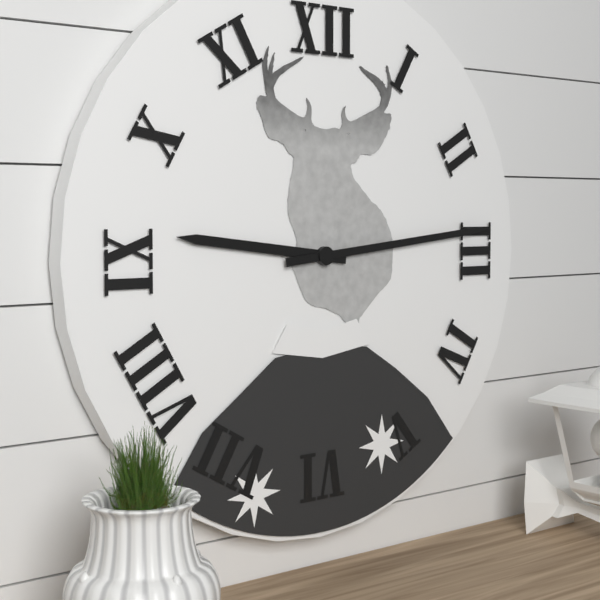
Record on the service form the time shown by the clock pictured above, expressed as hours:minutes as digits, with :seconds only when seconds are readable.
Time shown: 9:14
